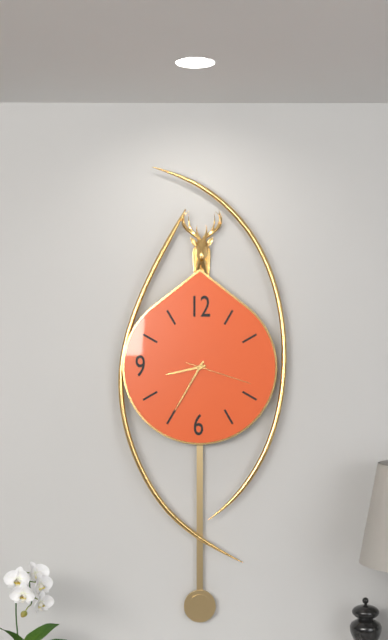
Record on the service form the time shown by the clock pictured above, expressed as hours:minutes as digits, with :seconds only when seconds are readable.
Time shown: 8:35:18
